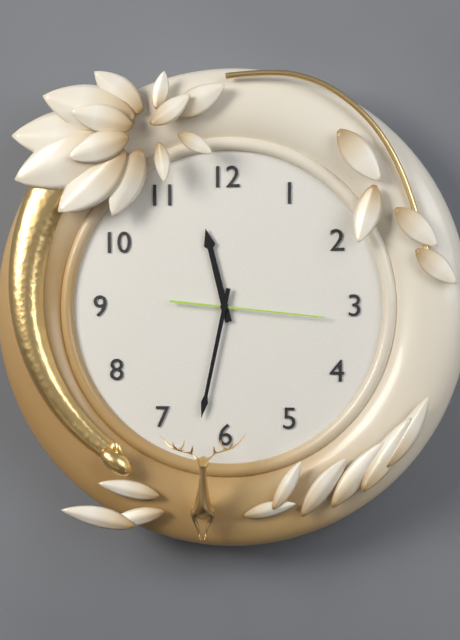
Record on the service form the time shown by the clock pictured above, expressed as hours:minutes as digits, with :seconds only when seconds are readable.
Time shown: 11:32:16
